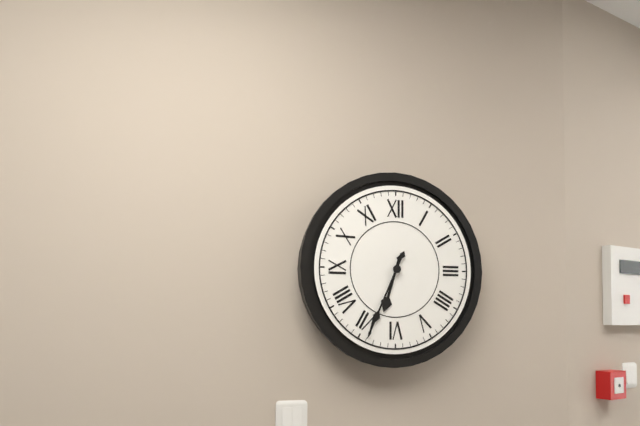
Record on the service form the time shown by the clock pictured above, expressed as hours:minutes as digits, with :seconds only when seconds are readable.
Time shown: 6:34
